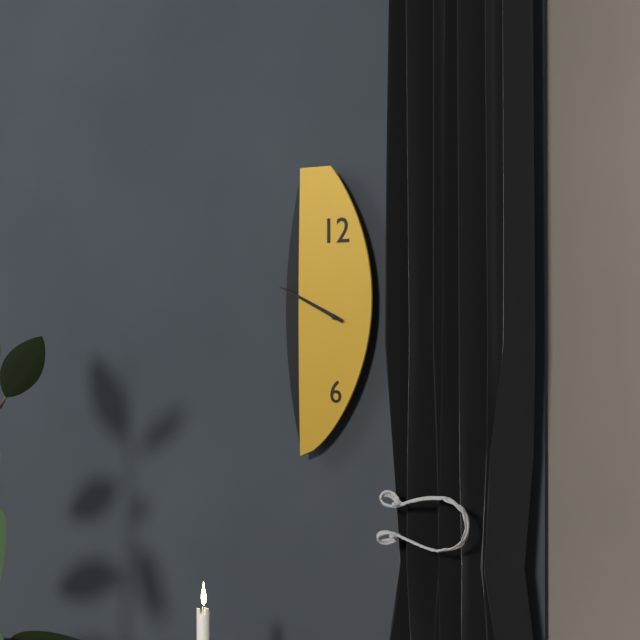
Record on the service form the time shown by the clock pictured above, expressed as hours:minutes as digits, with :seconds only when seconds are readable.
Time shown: 9:49
